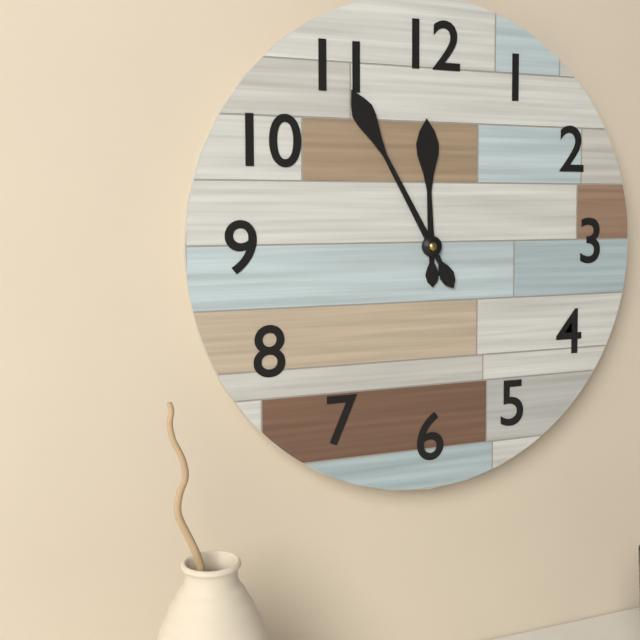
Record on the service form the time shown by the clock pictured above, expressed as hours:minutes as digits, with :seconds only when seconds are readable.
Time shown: 11:55
